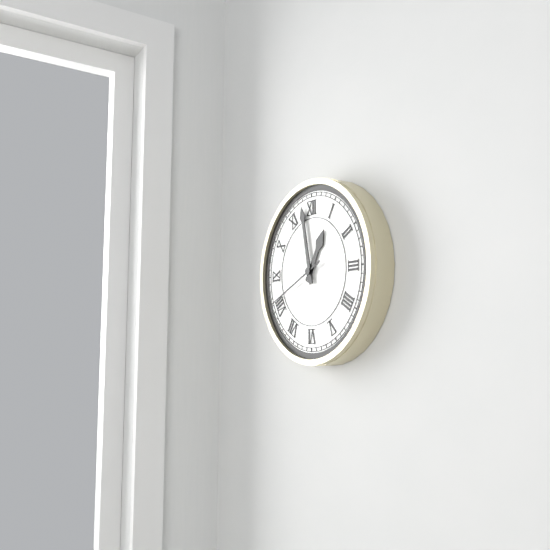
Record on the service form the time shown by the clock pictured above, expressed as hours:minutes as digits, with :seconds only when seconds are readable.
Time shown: 12:58:41
